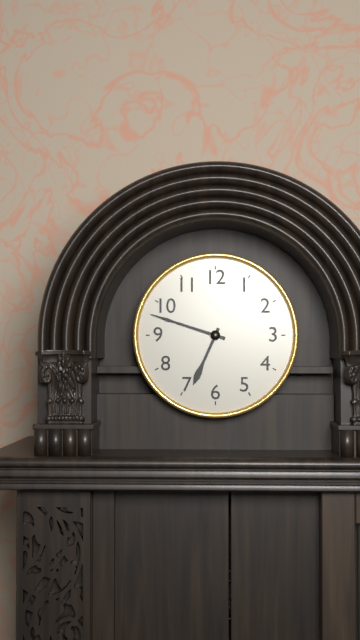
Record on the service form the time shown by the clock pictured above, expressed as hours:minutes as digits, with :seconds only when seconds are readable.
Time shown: 6:48
